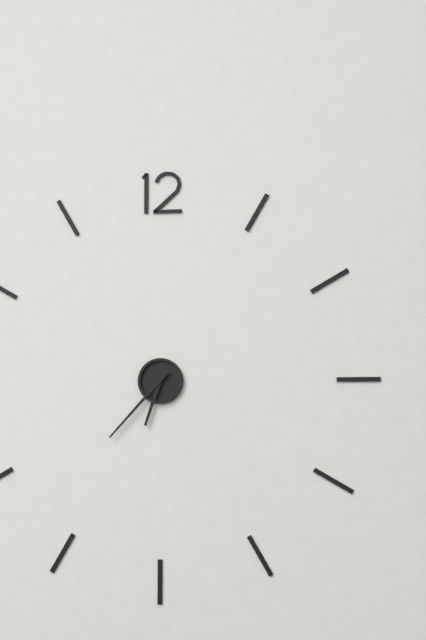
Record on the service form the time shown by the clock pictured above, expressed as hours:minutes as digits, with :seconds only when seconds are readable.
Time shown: 6:37
